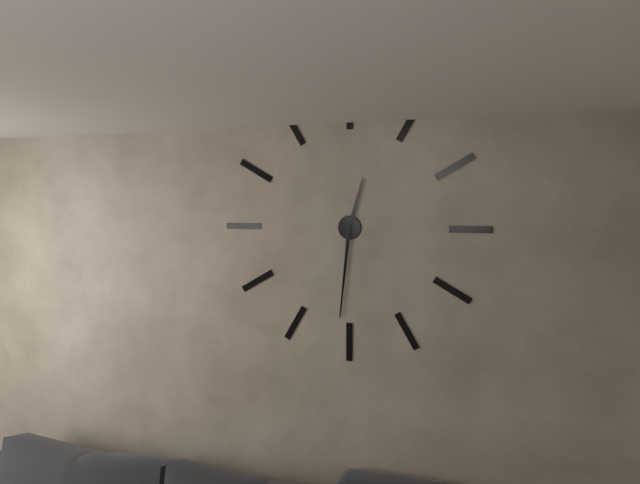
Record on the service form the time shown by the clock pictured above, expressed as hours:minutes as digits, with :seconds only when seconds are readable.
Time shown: 12:31
